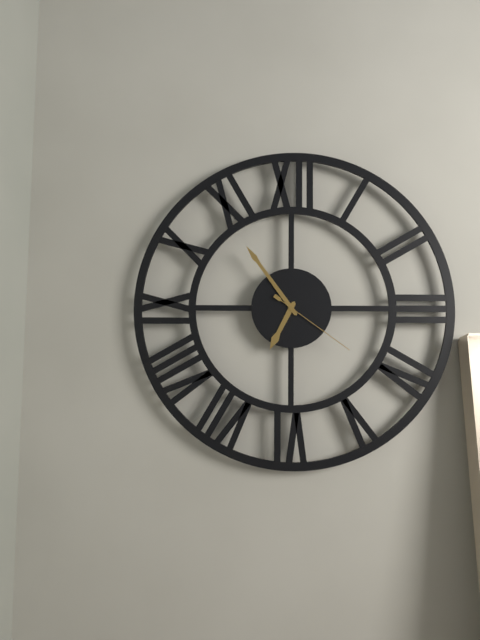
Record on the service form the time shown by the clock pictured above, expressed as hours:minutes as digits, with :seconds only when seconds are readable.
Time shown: 6:54:21
